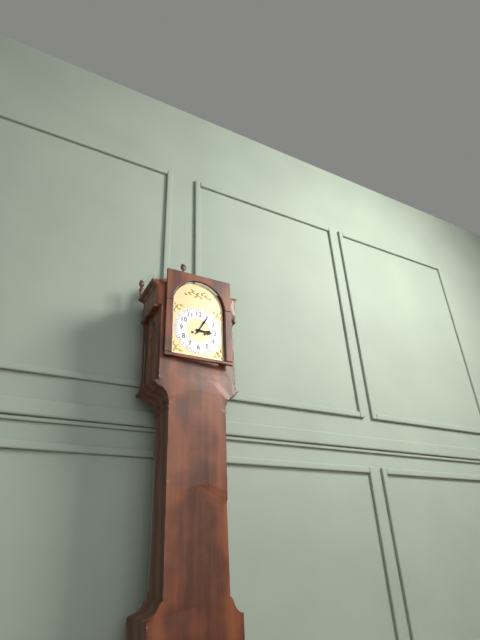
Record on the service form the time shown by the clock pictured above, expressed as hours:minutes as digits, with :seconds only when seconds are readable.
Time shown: 3:05
